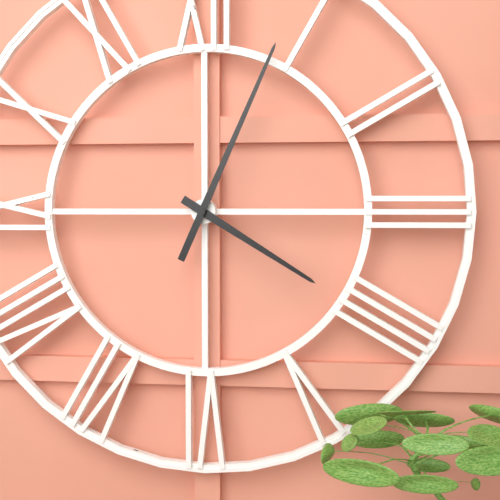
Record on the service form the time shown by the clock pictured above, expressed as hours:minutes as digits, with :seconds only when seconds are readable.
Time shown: 4:04
